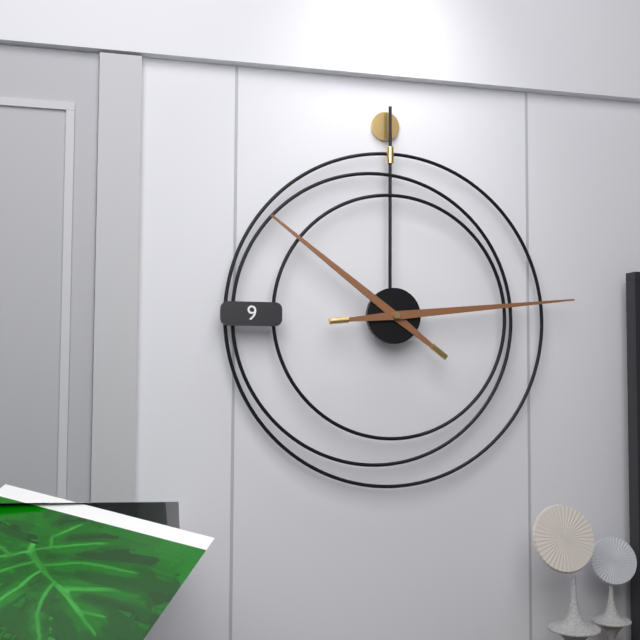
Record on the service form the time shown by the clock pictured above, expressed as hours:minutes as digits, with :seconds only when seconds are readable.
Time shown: 10:14
